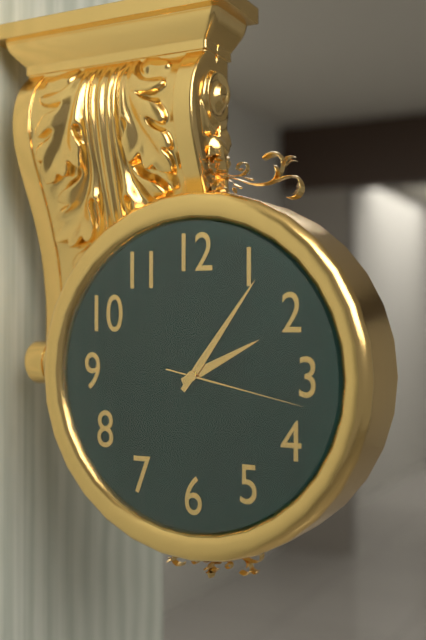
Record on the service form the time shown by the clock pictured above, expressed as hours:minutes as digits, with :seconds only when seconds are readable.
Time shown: 2:06:17
